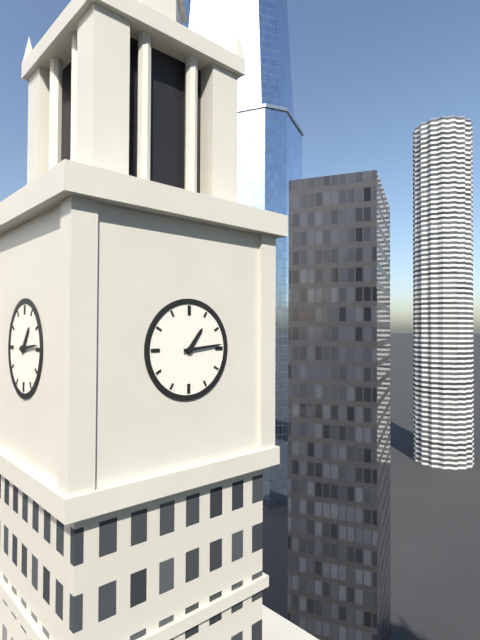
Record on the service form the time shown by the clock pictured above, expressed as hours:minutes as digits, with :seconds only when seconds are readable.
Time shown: 1:14
